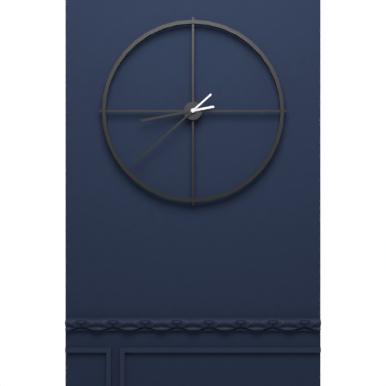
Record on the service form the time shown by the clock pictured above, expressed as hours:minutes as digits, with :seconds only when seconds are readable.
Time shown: 8:38
